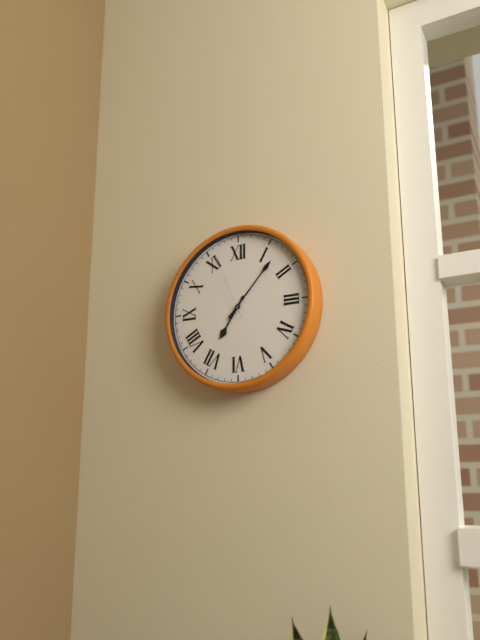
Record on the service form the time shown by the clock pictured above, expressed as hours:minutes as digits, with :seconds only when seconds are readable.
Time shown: 7:07:56
